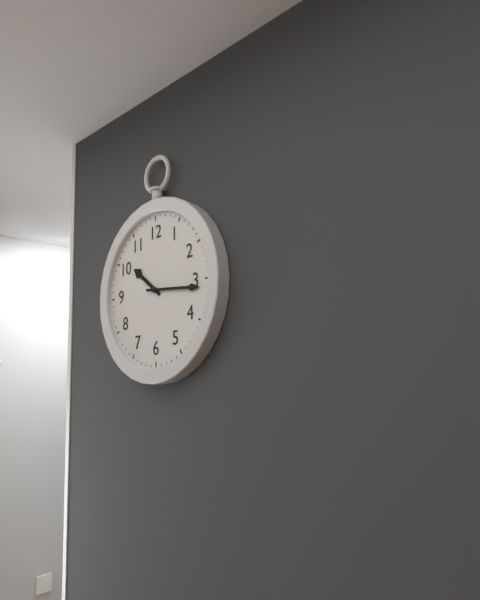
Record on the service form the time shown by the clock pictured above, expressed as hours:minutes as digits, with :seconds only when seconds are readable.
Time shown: 10:16
